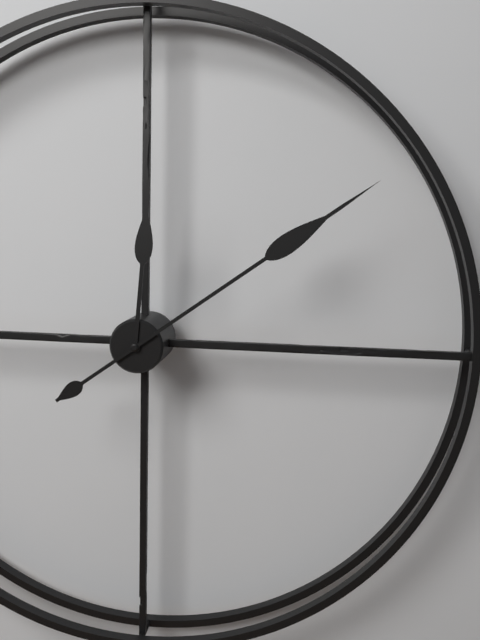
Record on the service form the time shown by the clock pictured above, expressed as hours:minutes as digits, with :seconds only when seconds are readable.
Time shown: 12:09
